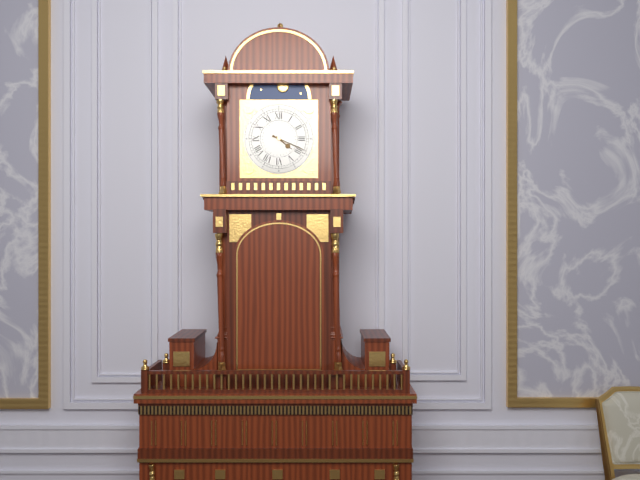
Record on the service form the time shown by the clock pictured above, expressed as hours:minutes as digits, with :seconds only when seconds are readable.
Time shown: 4:19
